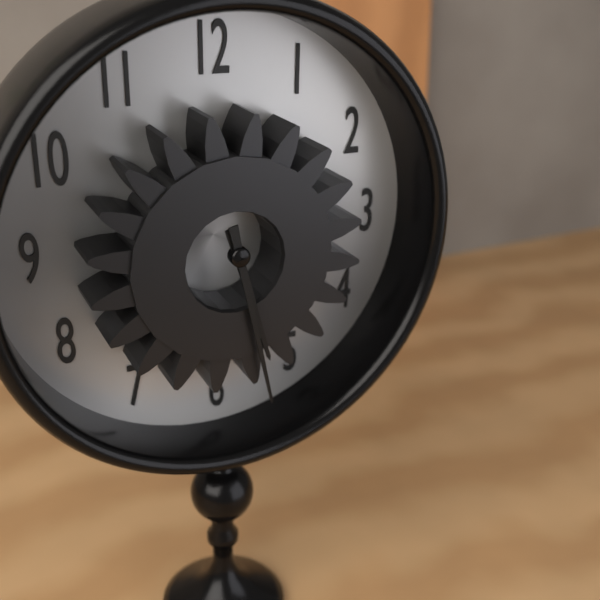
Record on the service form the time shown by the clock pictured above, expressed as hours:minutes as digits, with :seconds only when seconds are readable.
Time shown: 5:28
